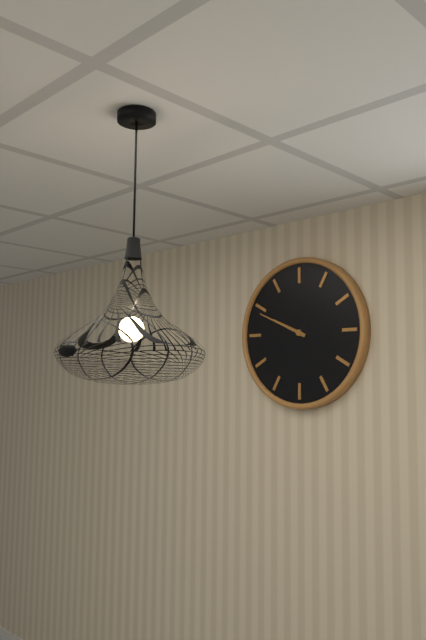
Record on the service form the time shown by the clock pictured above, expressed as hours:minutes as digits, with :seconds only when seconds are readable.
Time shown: 9:49
